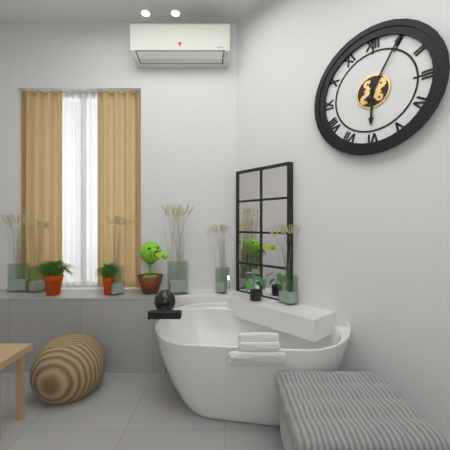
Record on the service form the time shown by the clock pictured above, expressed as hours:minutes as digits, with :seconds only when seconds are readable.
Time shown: 6:05
